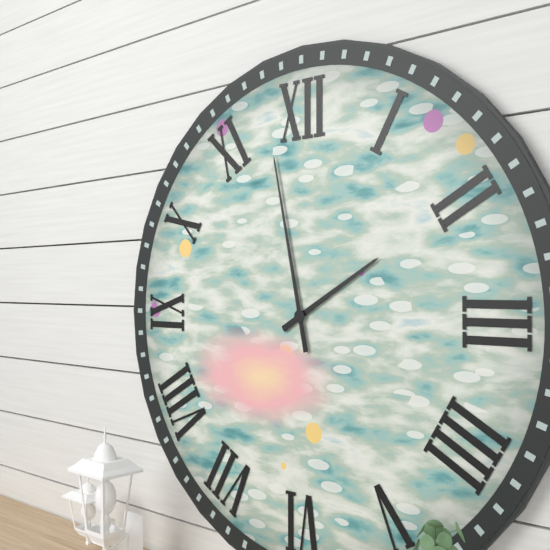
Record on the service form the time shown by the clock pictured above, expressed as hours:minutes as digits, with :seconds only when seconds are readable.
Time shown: 1:58
